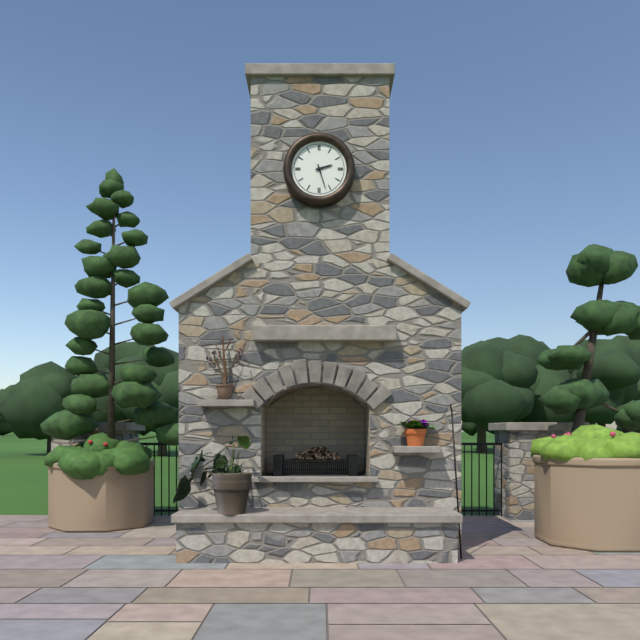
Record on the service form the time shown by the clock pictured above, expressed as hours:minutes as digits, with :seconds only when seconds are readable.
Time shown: 2:27
